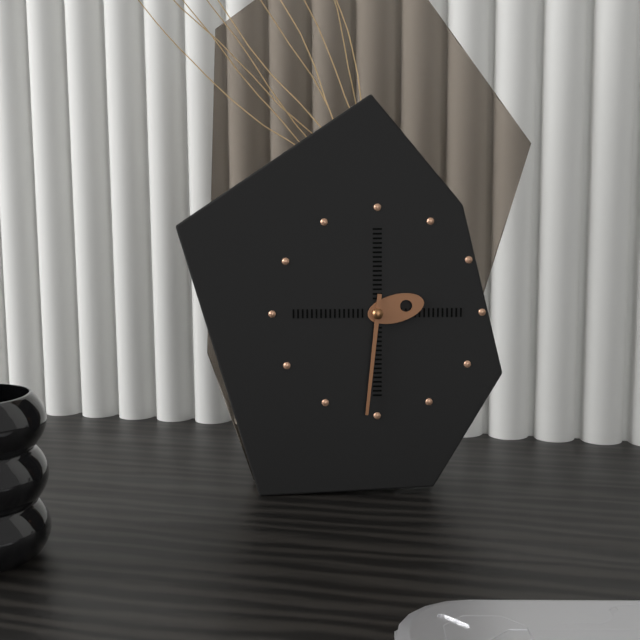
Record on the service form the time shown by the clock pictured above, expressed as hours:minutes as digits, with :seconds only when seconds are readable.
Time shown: 2:31
